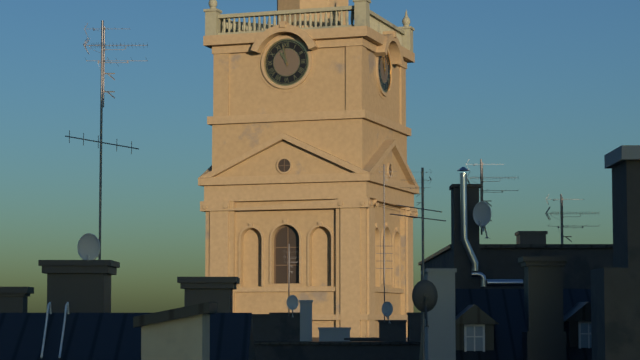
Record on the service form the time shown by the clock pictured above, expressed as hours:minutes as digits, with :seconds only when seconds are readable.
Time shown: 10:58
